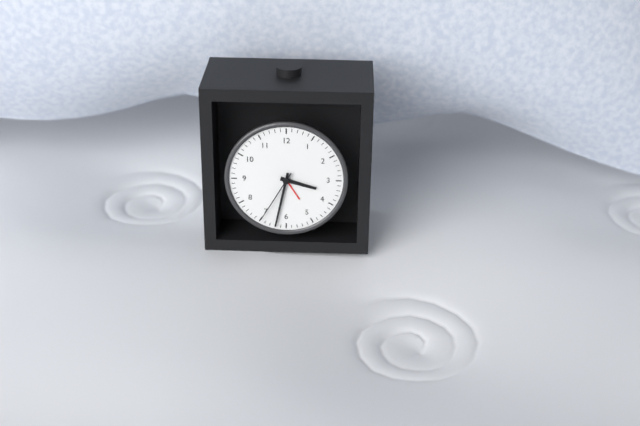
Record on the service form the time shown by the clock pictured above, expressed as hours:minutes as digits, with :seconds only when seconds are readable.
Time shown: 3:32:35
